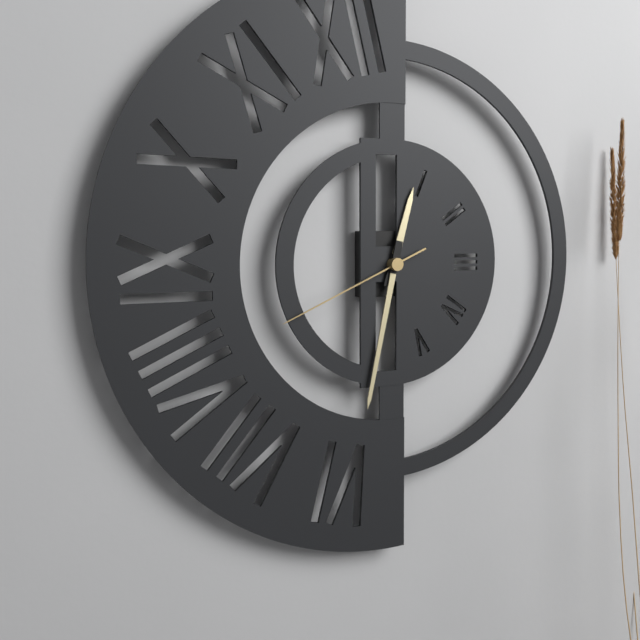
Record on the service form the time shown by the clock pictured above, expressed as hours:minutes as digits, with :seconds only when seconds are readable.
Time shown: 12:32:41
